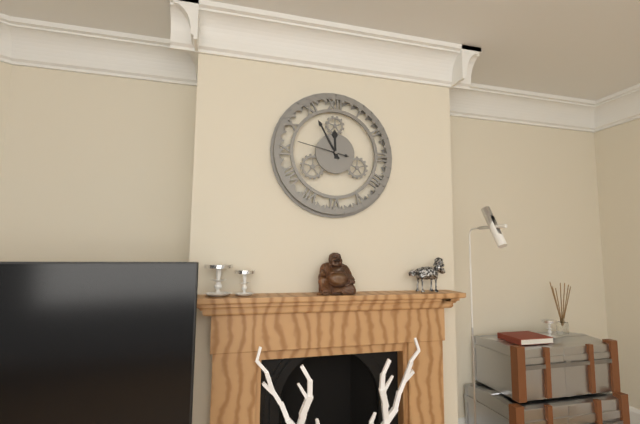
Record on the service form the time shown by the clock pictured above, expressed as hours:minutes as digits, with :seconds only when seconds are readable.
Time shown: 11:55
